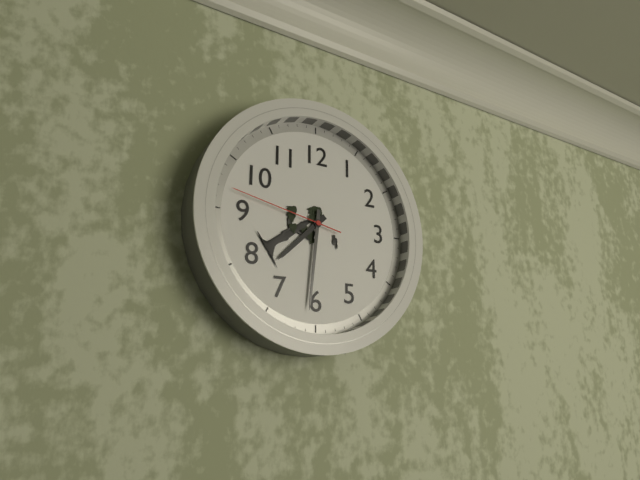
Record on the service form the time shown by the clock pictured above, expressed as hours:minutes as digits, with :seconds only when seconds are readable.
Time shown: 7:31:47
